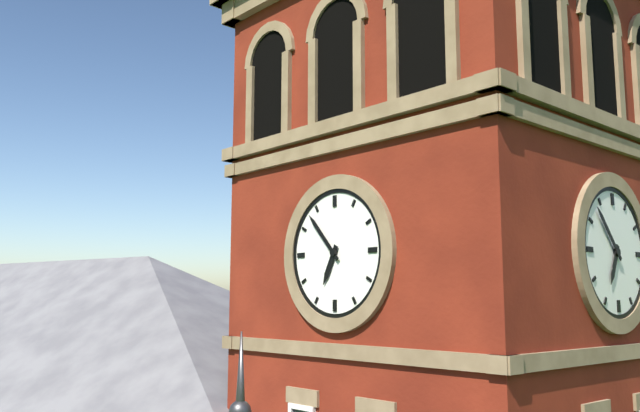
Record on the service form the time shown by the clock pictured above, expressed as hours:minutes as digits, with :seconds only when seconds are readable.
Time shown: 6:53
